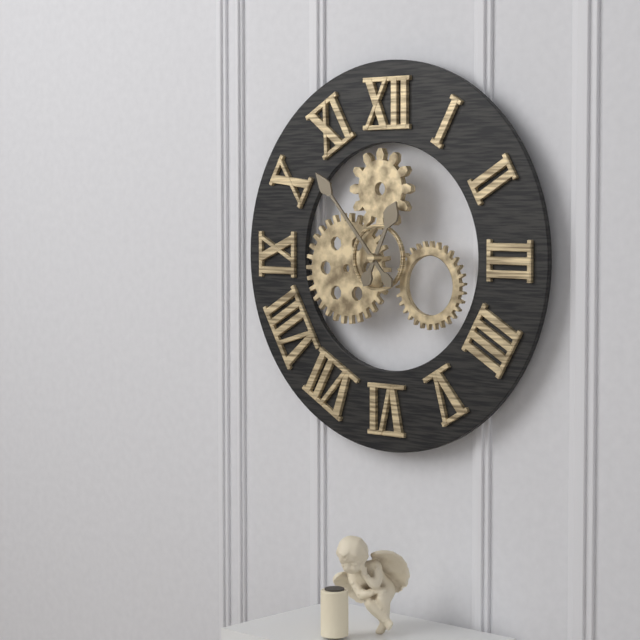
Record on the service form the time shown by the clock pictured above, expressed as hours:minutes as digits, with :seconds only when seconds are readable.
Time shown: 12:53
